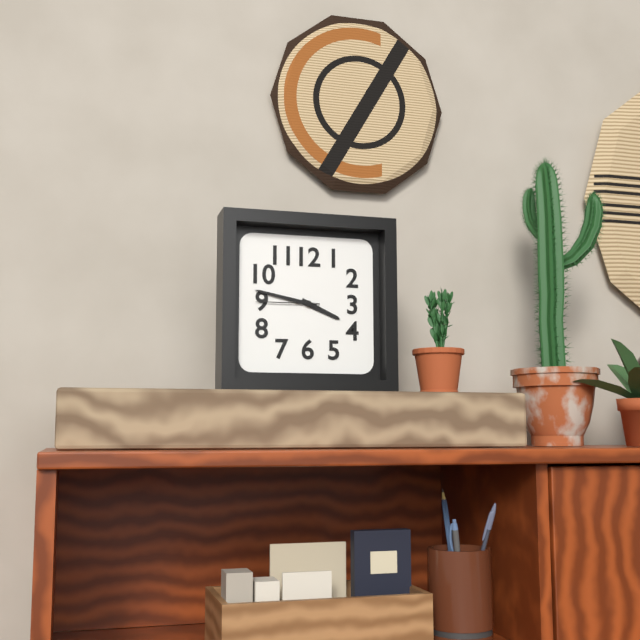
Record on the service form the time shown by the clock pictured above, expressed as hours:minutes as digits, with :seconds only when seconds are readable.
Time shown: 3:47:45
